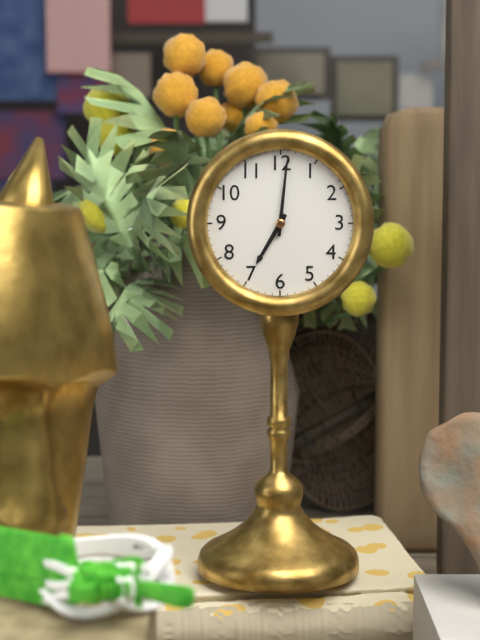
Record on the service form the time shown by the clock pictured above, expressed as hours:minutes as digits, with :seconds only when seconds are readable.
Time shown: 7:01
